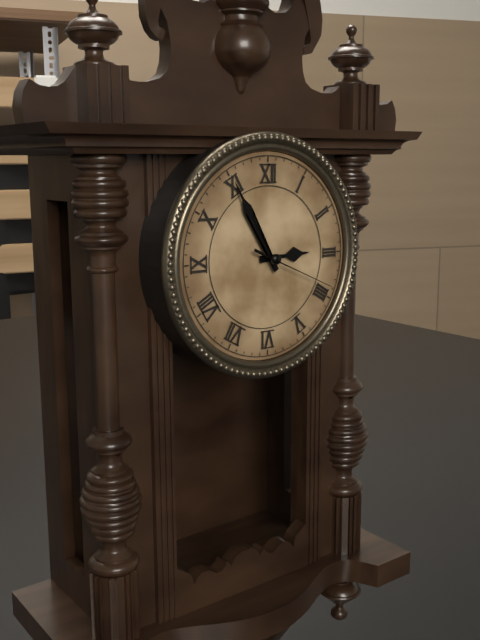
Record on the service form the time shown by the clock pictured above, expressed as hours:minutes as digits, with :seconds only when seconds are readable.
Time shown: 2:55:19
